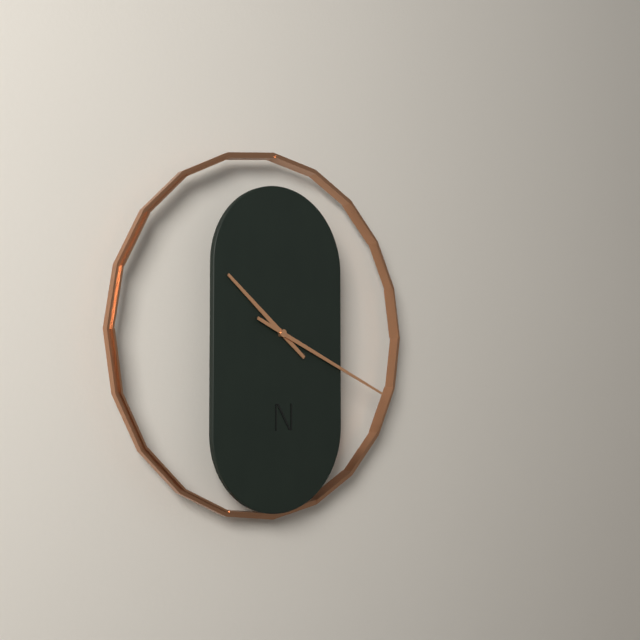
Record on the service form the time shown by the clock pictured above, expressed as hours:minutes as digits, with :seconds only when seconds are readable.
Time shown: 10:19
